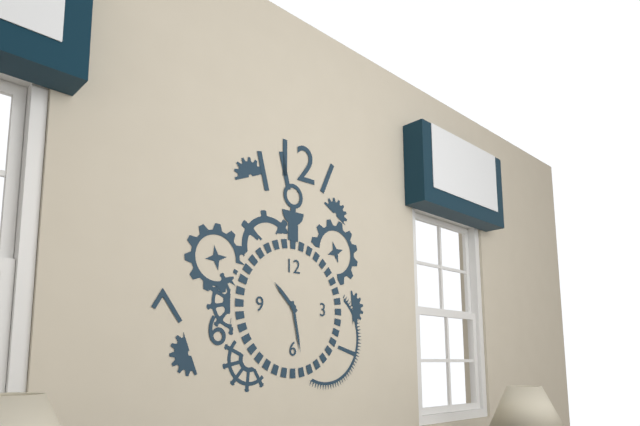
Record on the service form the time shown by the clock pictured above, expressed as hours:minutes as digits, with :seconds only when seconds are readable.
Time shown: 10:28
